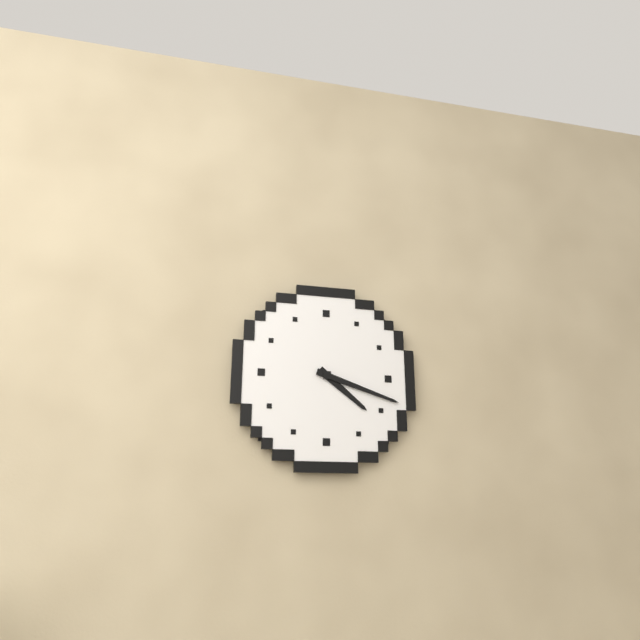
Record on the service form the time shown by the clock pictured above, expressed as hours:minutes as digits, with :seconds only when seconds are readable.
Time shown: 4:18
